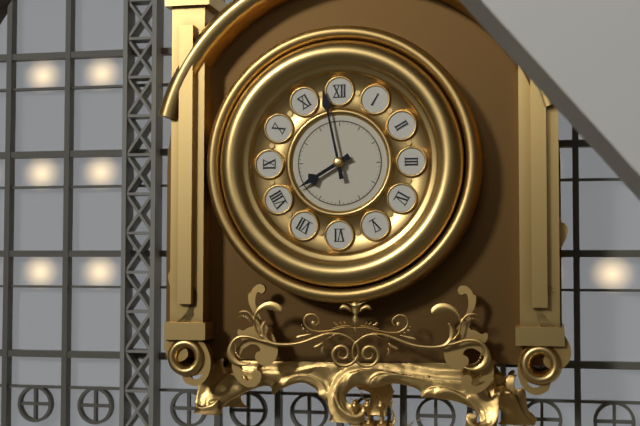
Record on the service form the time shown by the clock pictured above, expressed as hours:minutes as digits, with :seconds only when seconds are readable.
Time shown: 7:58
